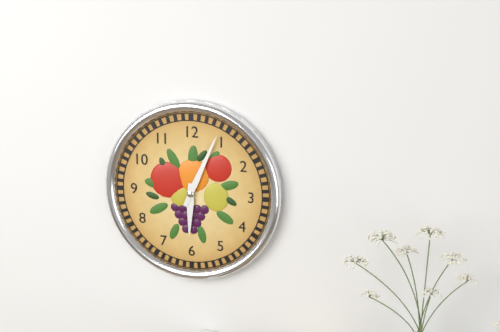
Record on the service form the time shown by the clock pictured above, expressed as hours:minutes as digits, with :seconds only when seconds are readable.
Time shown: 6:04
